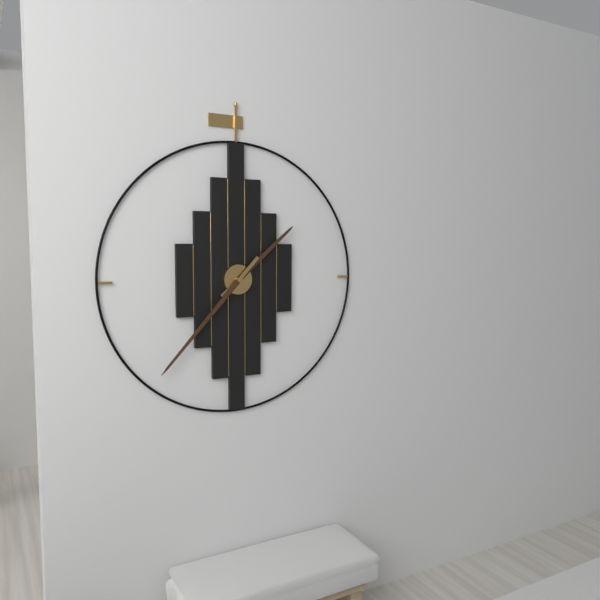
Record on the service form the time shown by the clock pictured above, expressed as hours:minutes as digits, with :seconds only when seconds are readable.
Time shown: 1:37
